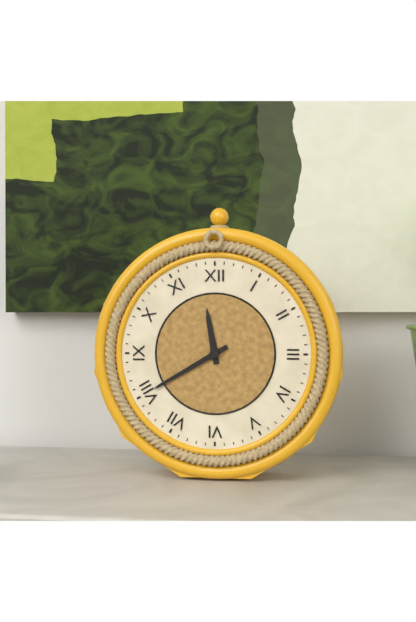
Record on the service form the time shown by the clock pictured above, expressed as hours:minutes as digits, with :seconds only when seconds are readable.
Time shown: 11:40
